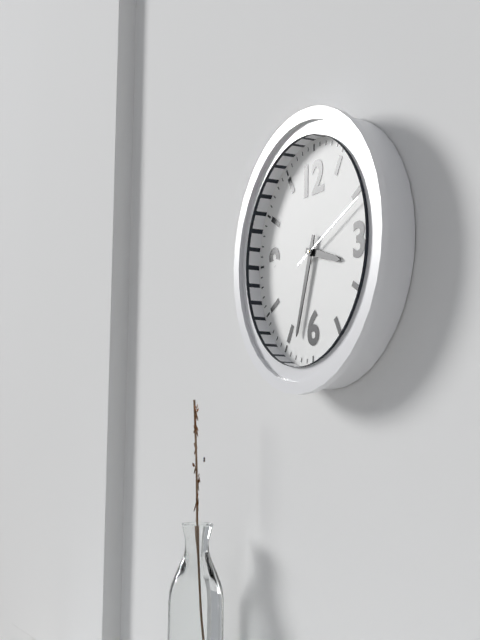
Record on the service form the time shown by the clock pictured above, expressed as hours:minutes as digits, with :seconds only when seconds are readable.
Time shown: 3:33:11
